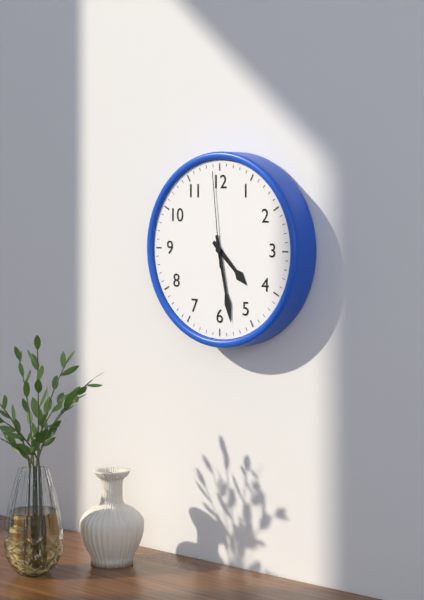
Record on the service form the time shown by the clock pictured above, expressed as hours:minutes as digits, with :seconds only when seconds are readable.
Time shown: 4:28:59
